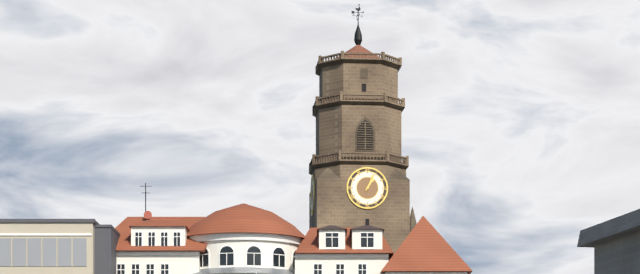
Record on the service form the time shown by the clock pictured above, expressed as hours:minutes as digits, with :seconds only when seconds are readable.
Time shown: 1:04
